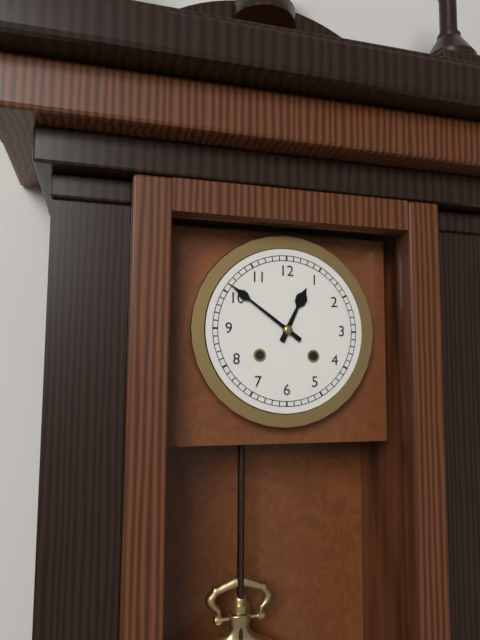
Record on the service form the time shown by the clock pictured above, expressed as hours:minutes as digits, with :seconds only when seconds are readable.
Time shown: 12:51
